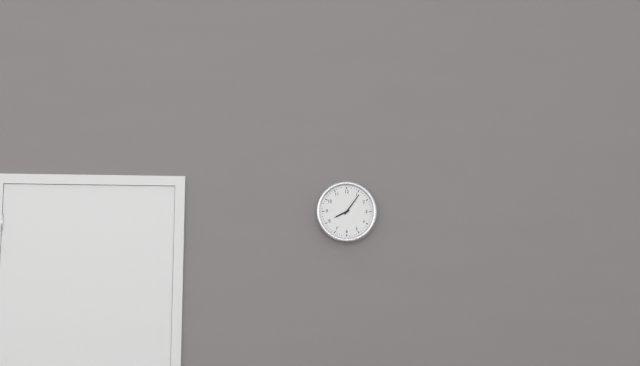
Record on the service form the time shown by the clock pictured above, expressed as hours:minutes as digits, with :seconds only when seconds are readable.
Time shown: 8:06
